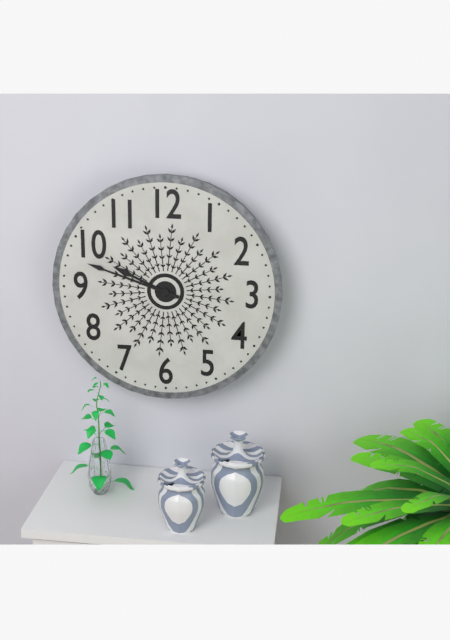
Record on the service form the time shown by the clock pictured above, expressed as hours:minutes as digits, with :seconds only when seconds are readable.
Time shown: 9:48
